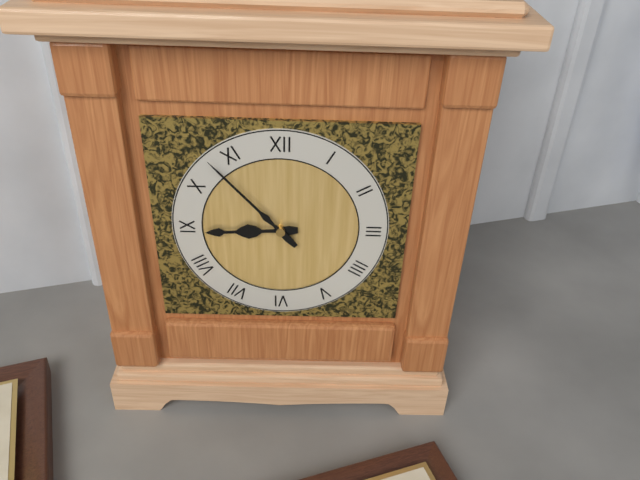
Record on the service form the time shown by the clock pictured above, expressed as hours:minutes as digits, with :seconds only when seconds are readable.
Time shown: 8:53
